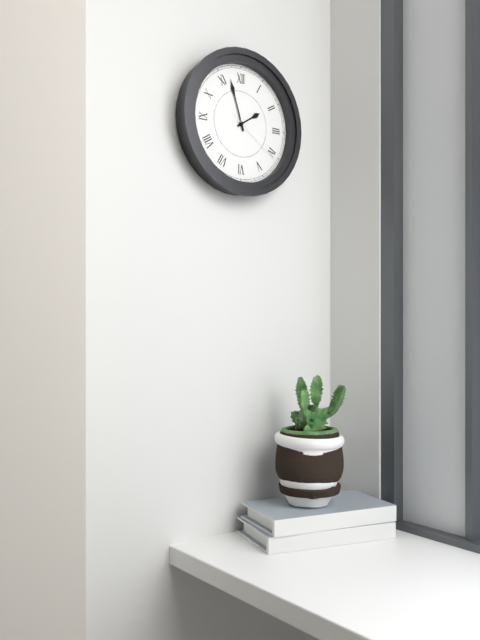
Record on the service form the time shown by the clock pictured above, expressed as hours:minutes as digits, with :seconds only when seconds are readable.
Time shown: 1:57:21
